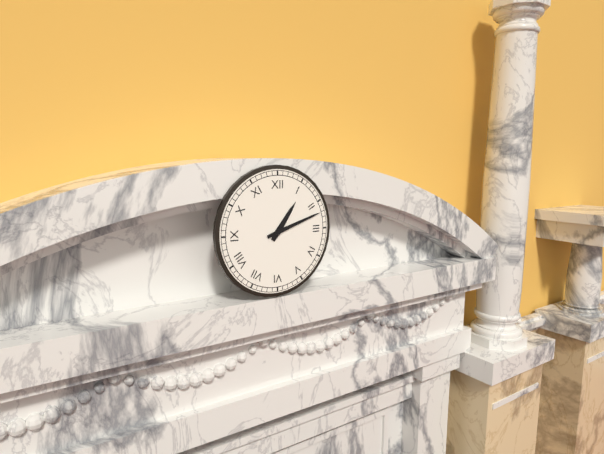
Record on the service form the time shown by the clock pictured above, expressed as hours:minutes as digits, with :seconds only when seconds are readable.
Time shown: 1:12
